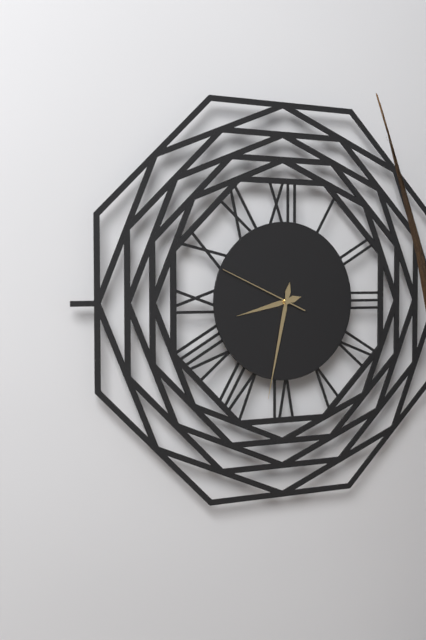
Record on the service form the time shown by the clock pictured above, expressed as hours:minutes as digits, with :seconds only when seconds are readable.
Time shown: 8:32:49
